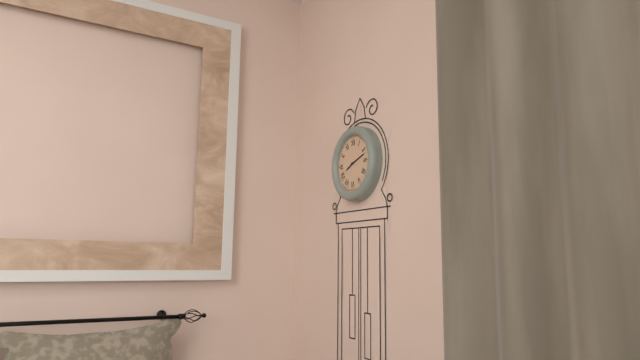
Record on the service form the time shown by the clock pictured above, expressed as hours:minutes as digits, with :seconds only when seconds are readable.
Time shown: 8:12
